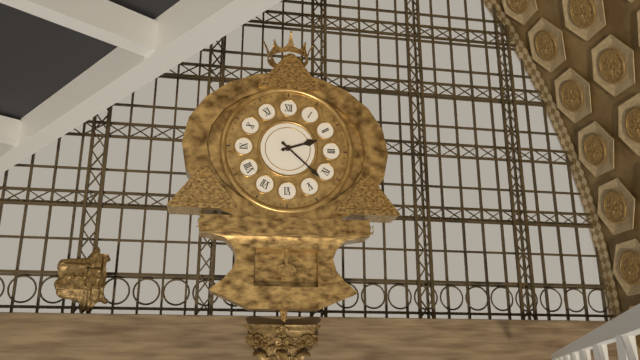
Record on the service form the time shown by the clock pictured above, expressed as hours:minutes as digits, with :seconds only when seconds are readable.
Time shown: 2:22
